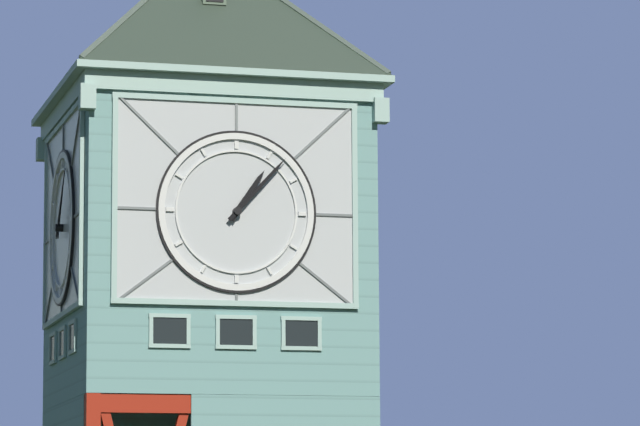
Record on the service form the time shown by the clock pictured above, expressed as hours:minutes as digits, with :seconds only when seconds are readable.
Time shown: 1:07
